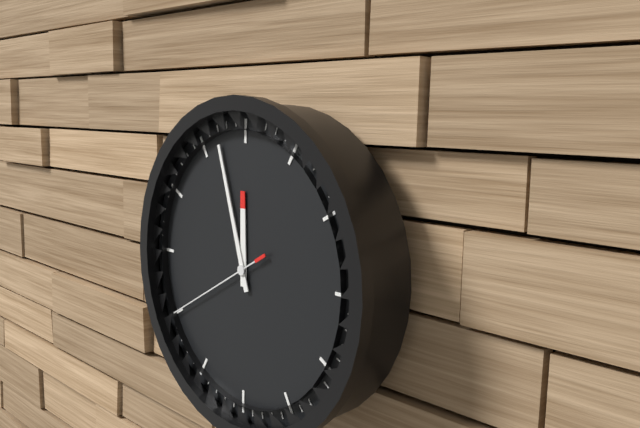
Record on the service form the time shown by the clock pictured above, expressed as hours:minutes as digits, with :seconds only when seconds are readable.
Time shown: 11:57:40
